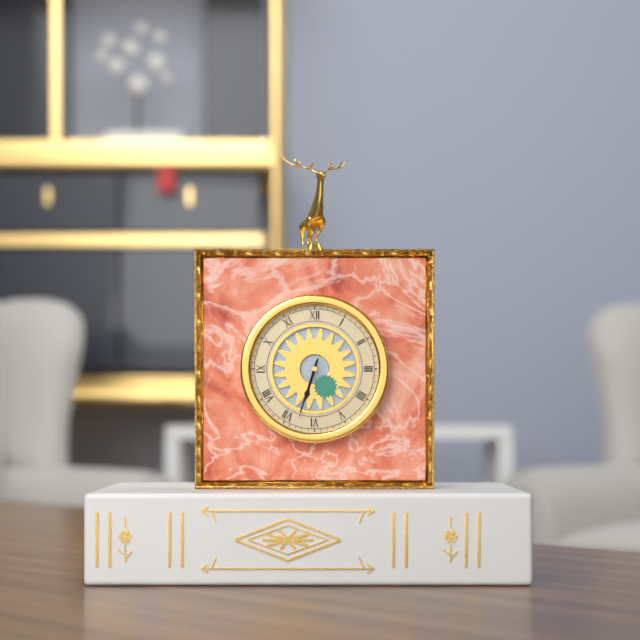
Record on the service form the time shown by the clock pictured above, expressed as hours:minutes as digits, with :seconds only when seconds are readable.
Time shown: 6:33
